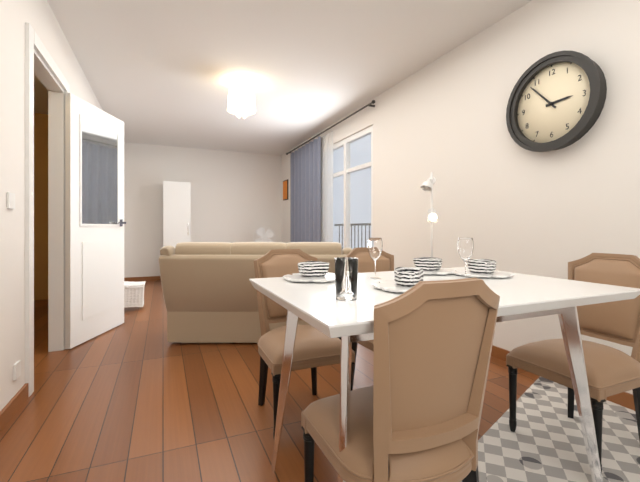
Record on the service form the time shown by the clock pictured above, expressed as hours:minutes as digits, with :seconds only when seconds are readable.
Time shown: 2:53
